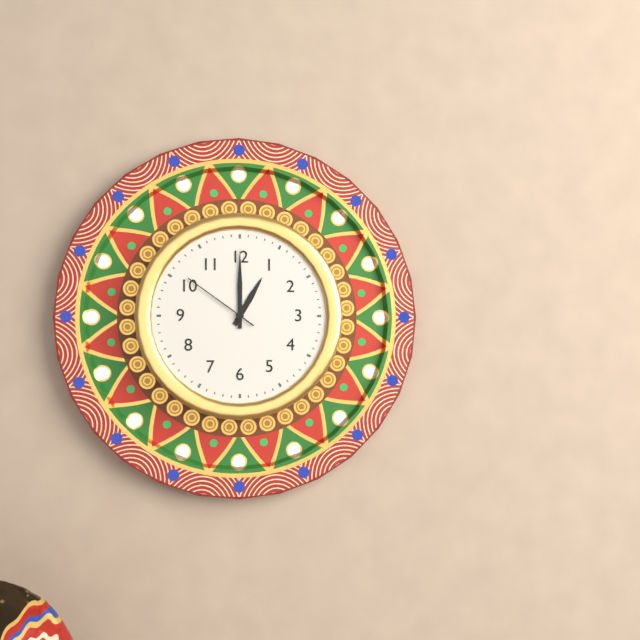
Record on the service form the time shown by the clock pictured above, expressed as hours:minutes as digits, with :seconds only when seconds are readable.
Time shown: 1:00:51
